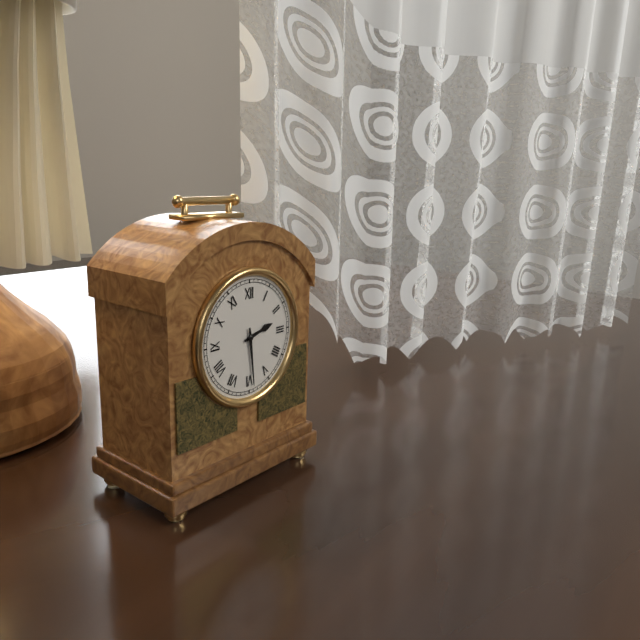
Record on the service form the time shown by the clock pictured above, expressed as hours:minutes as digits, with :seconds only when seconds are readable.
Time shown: 2:29
